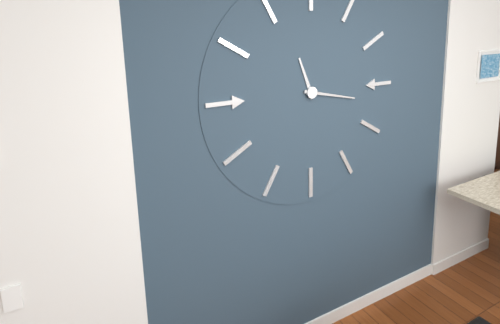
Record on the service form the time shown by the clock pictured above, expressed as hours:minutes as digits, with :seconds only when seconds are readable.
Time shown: 11:17
